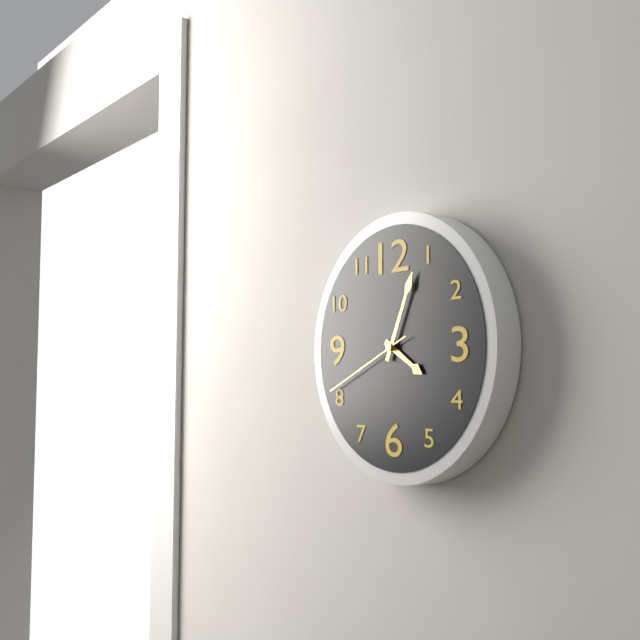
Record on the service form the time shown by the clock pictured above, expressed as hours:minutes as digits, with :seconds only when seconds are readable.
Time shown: 4:04:41
